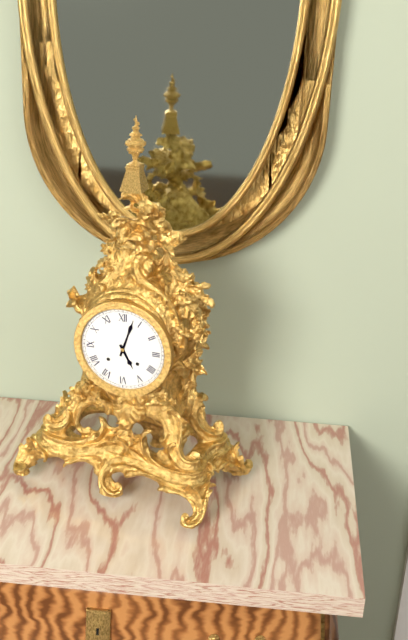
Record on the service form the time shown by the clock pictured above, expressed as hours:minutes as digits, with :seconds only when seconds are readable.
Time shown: 5:03
